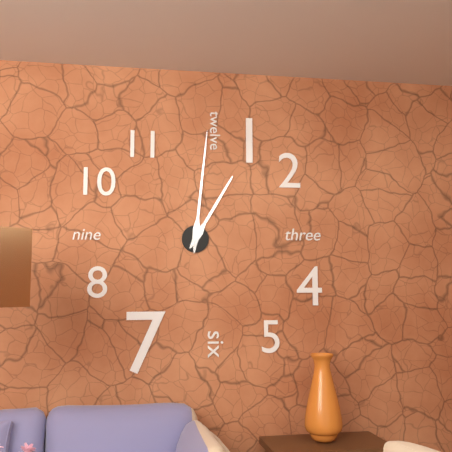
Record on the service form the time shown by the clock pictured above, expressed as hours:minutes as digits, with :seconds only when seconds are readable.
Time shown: 1:01
